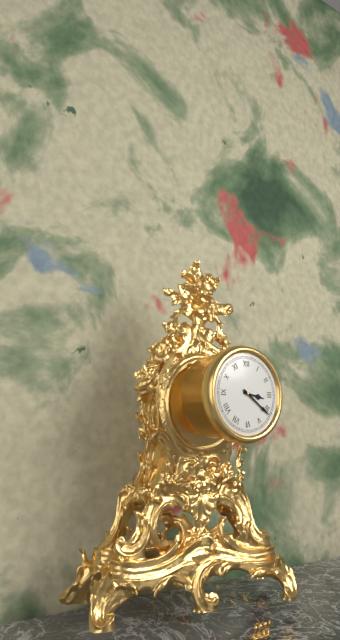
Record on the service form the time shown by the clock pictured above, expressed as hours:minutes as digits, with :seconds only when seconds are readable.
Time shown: 3:21
